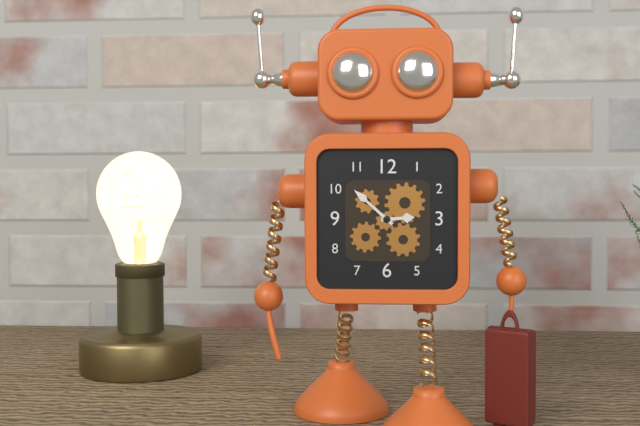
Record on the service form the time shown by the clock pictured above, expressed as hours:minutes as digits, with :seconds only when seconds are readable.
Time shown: 2:52
